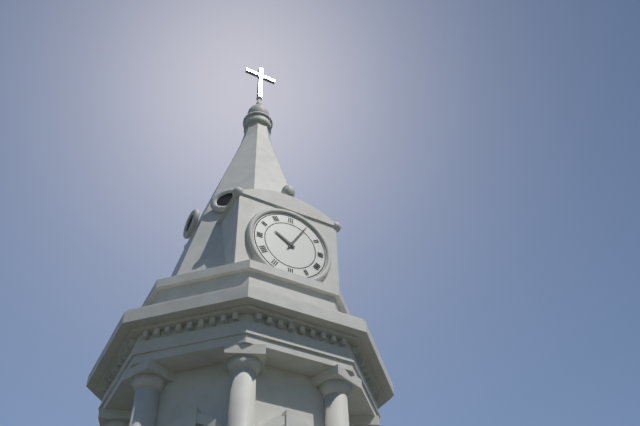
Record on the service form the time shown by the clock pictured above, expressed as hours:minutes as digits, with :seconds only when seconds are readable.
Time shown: 10:05
